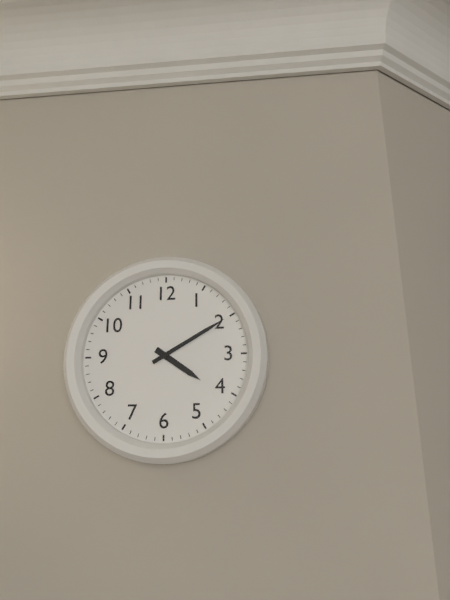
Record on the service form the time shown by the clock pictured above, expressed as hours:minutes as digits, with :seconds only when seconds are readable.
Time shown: 4:10
